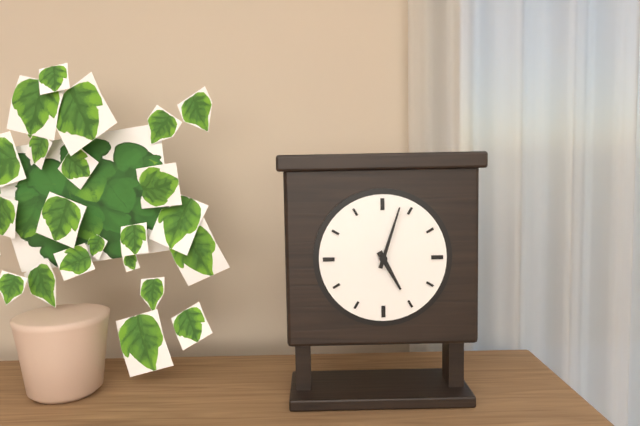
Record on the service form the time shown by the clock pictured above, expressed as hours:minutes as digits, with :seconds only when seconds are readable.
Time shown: 5:03
